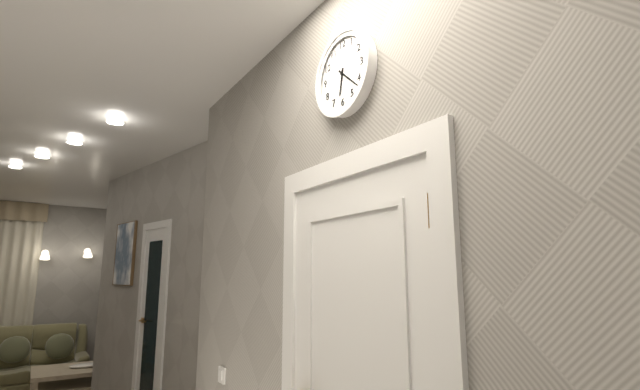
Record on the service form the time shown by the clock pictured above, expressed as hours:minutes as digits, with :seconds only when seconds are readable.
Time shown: 6:22
